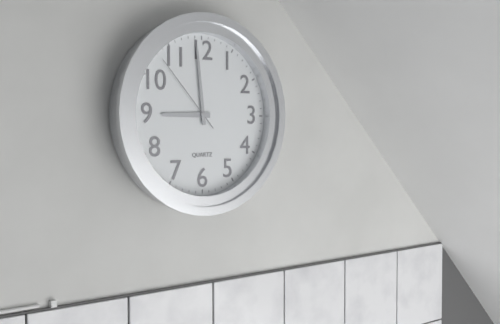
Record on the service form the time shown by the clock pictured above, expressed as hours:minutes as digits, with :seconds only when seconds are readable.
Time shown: 8:59:53
